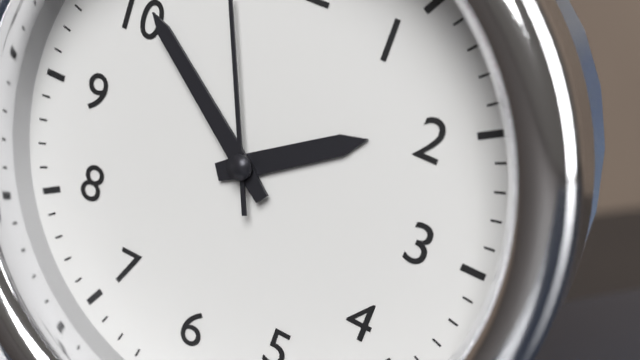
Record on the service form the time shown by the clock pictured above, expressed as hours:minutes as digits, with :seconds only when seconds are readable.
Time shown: 1:51
